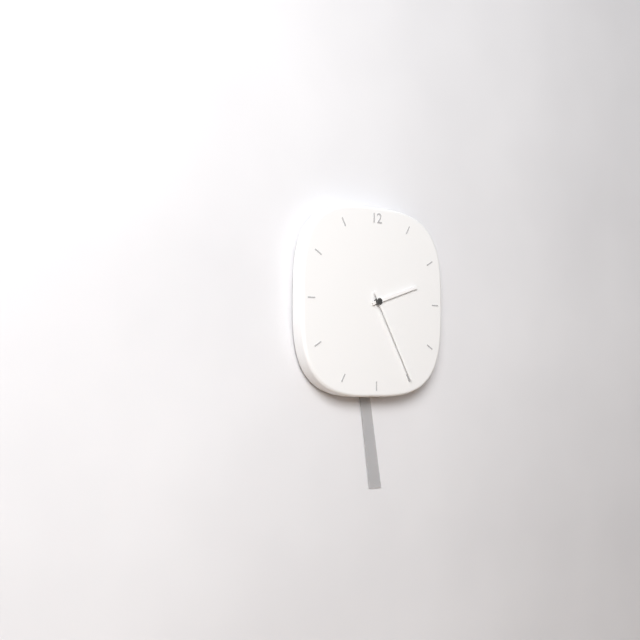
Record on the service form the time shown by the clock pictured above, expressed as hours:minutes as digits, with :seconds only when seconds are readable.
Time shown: 2:25
